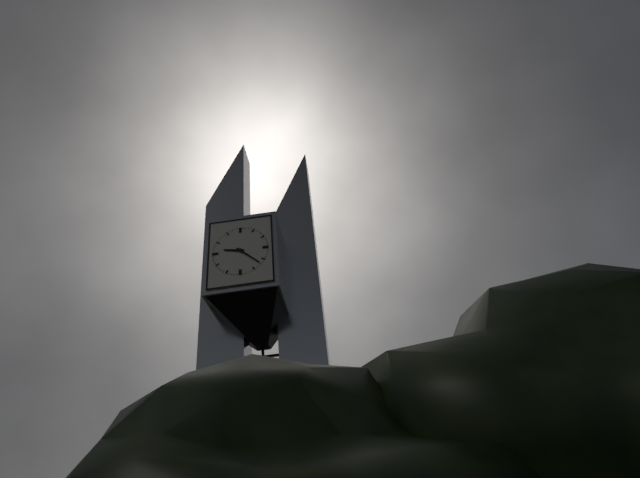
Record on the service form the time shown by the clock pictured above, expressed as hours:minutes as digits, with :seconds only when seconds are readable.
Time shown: 9:22
